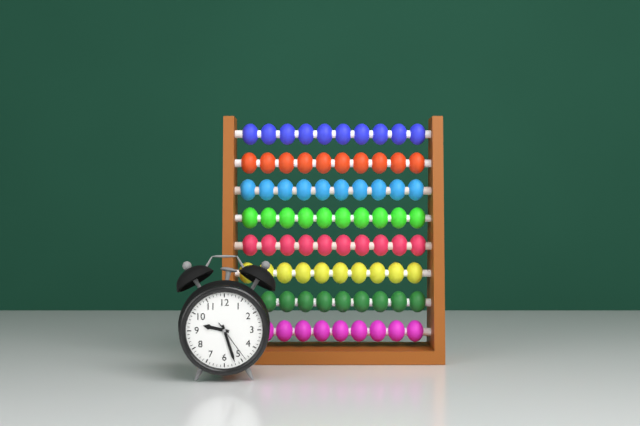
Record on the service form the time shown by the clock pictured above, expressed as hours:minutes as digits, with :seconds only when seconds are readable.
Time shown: 9:27
